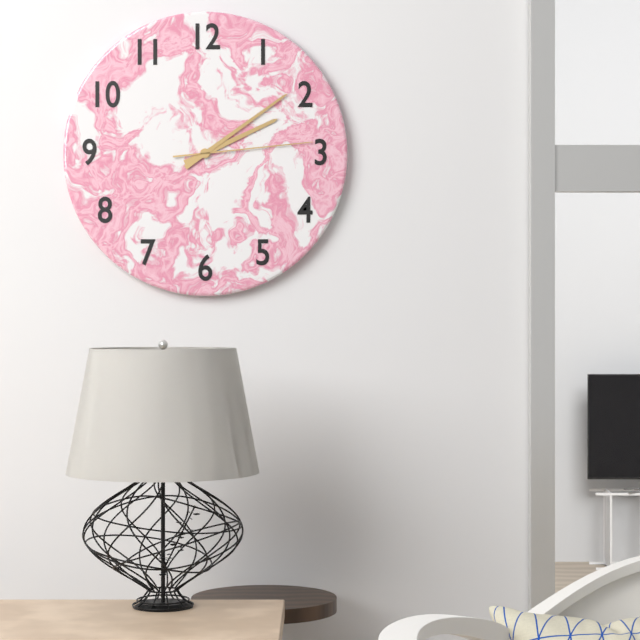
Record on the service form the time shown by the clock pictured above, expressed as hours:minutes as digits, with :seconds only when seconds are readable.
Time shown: 2:09:14
